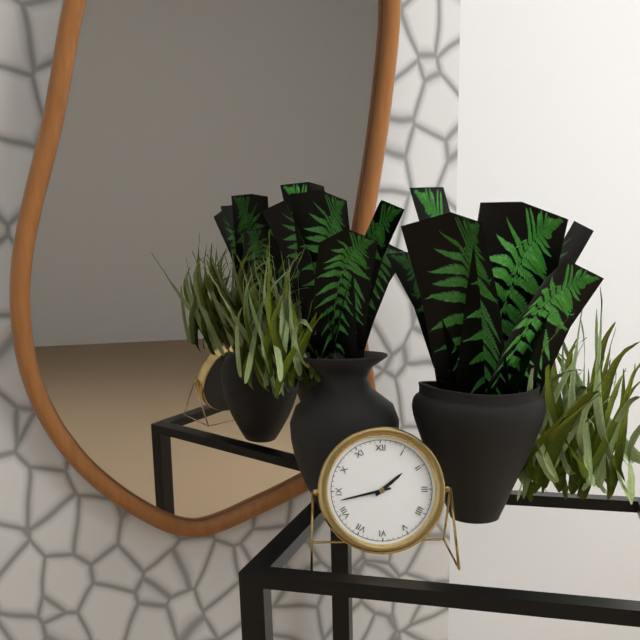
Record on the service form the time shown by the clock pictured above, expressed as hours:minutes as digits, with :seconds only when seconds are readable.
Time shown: 1:43
